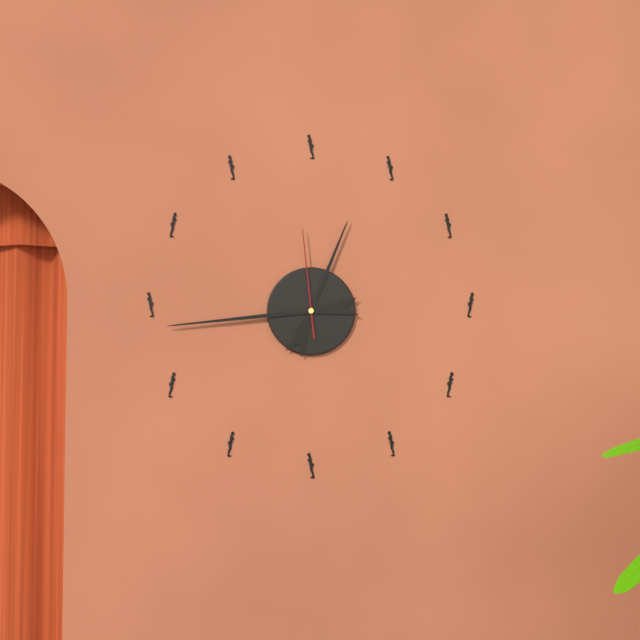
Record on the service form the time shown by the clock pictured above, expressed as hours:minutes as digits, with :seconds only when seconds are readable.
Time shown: 12:44:59
